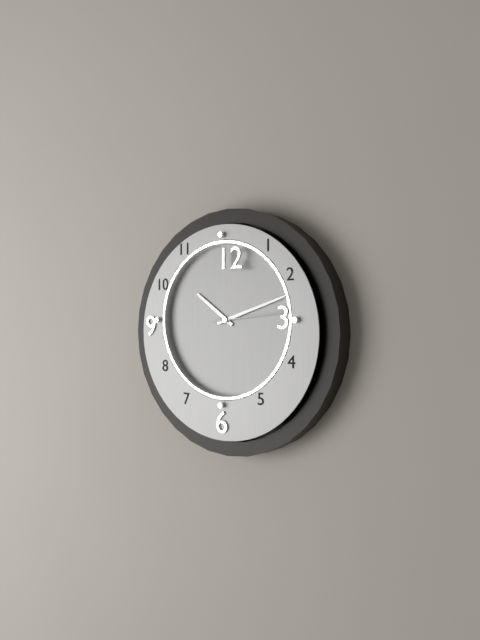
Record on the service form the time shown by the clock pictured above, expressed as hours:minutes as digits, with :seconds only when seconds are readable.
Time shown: 10:12:14
